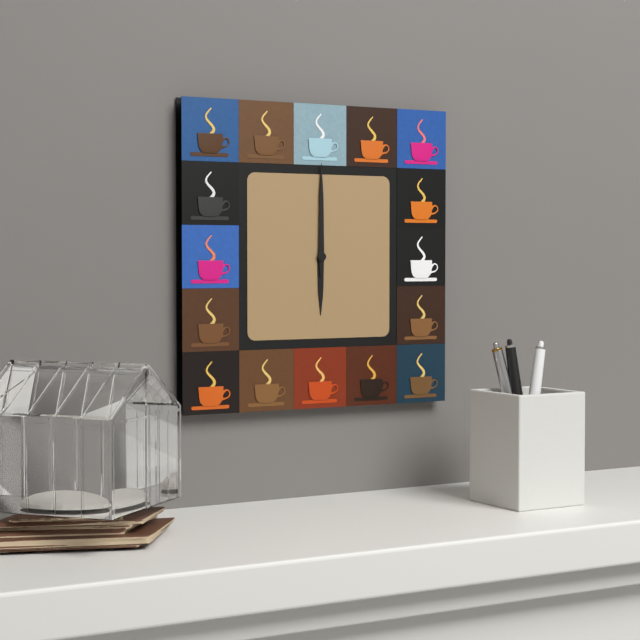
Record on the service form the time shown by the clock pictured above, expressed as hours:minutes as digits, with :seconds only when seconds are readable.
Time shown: 6:00
